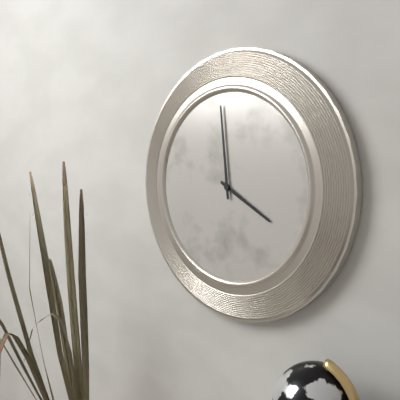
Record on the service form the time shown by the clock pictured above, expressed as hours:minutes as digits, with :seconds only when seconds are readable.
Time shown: 3:59
